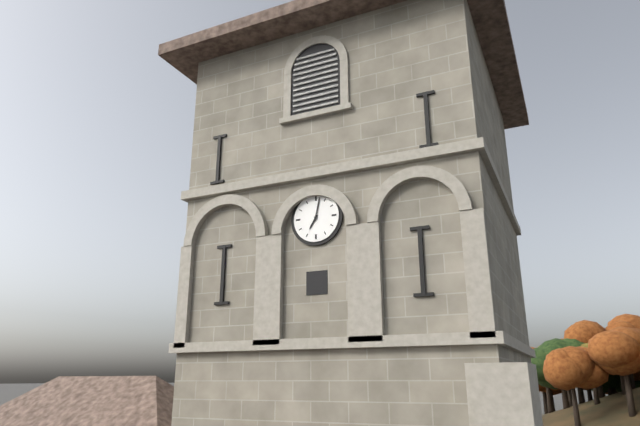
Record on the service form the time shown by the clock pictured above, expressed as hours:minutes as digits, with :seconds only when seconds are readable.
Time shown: 7:02
